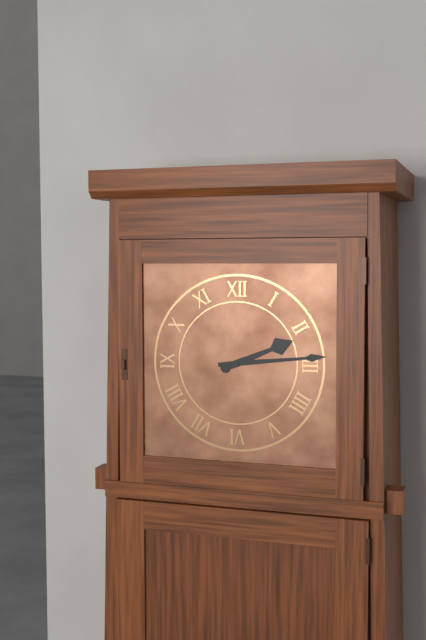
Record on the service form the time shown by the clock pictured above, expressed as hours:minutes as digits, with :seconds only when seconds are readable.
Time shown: 2:14
